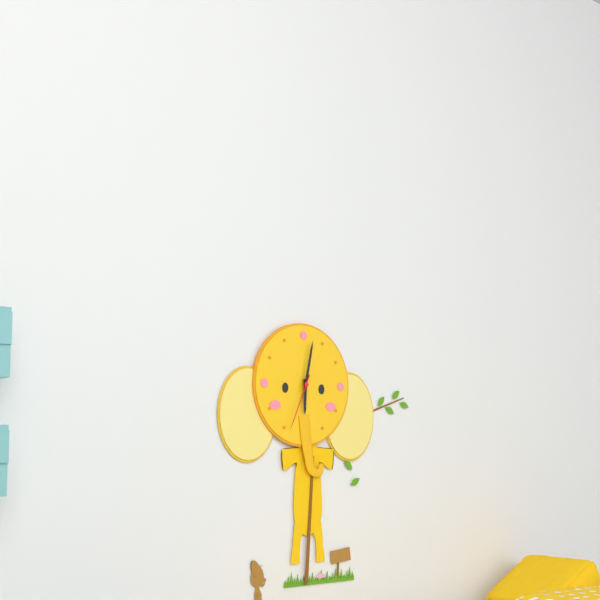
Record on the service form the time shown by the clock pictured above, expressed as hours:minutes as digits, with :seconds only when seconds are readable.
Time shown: 6:02:34
